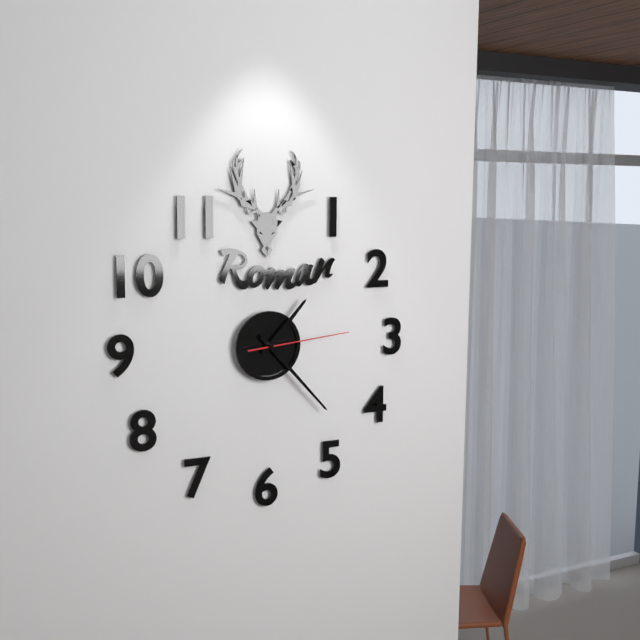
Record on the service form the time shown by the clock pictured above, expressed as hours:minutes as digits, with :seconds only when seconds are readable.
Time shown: 1:23:14
